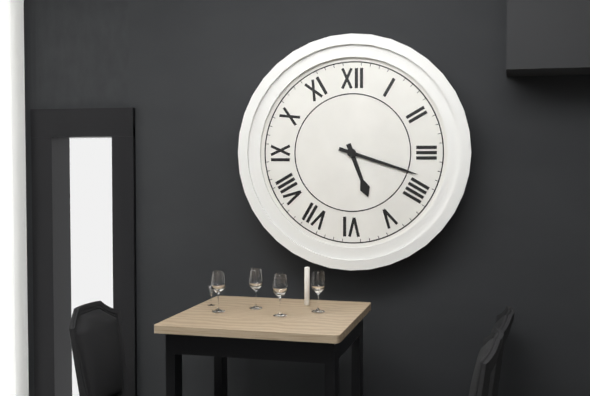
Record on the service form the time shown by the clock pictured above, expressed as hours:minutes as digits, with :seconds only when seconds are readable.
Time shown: 5:18
